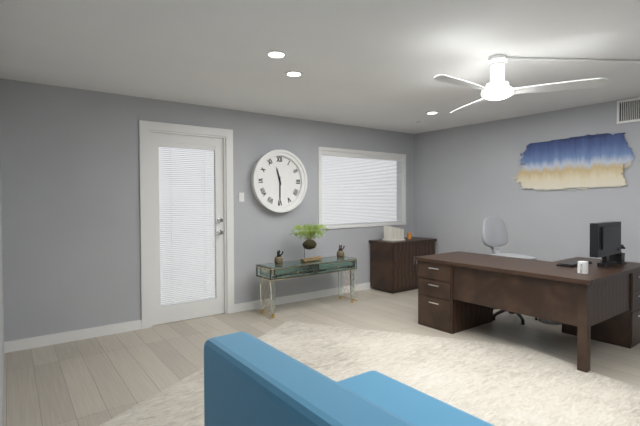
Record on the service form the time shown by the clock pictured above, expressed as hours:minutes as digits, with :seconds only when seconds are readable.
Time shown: 11:30
